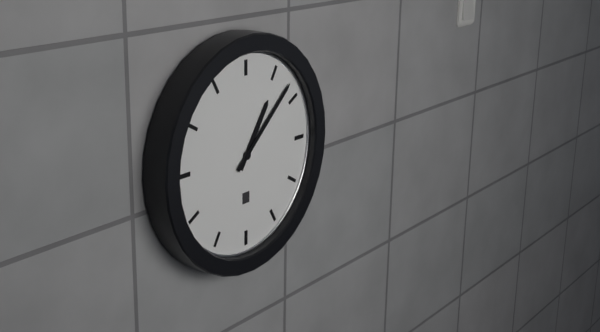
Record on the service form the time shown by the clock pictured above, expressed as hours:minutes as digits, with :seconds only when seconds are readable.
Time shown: 1:08
